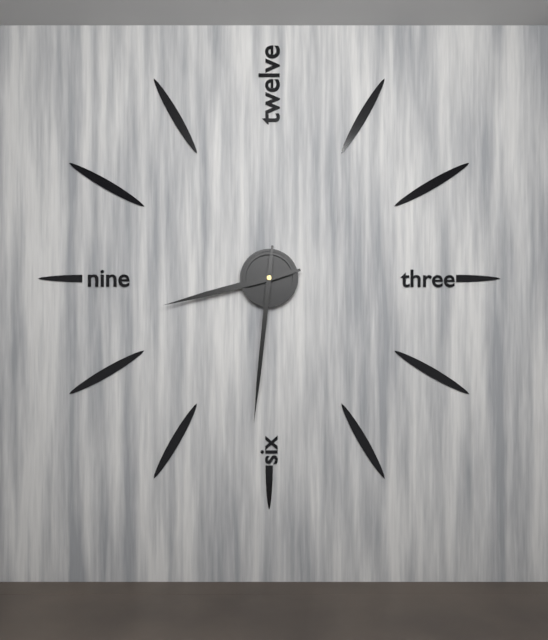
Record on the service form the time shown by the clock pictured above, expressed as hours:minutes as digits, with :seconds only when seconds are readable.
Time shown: 8:31
